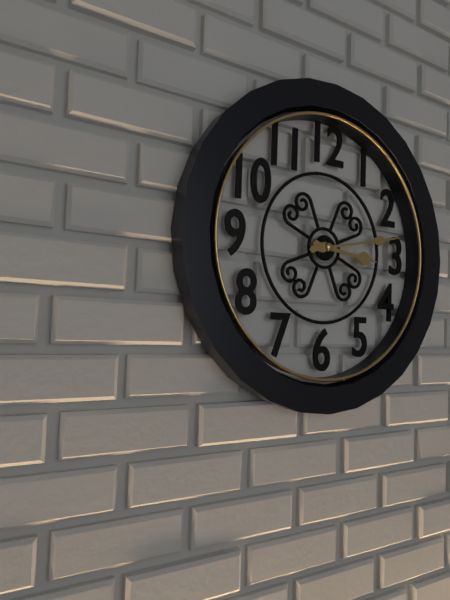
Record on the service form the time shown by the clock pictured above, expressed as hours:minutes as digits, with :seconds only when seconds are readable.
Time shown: 3:13
